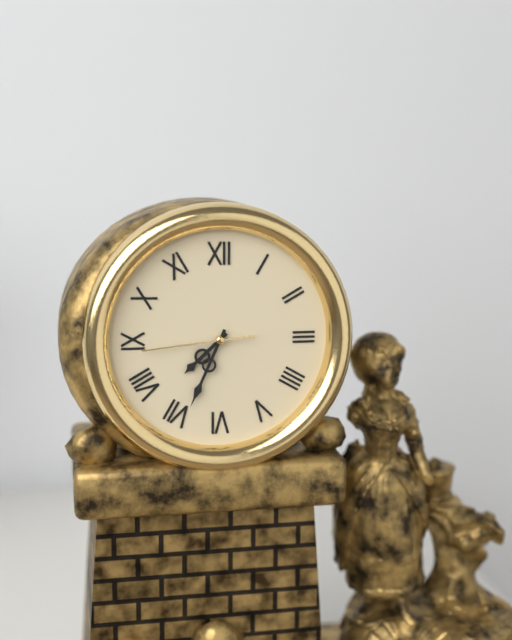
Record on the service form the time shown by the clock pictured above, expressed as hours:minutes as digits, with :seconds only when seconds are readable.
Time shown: 7:34:44
